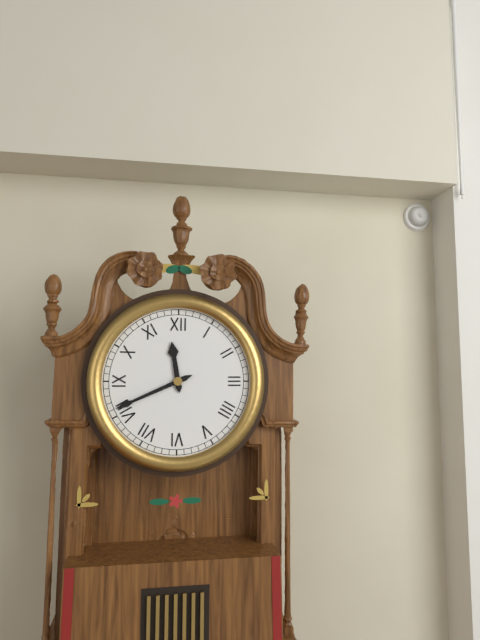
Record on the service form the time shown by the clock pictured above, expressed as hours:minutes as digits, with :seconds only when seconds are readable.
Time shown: 11:41
